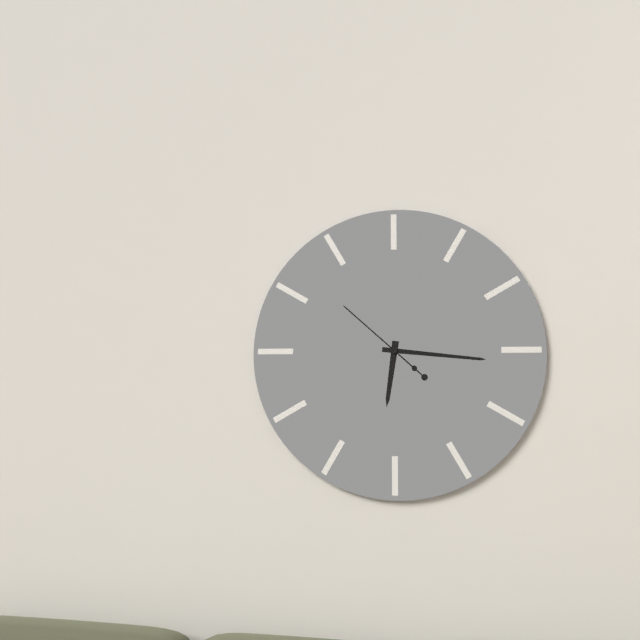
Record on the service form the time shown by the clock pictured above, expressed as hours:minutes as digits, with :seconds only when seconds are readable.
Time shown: 6:16:52
